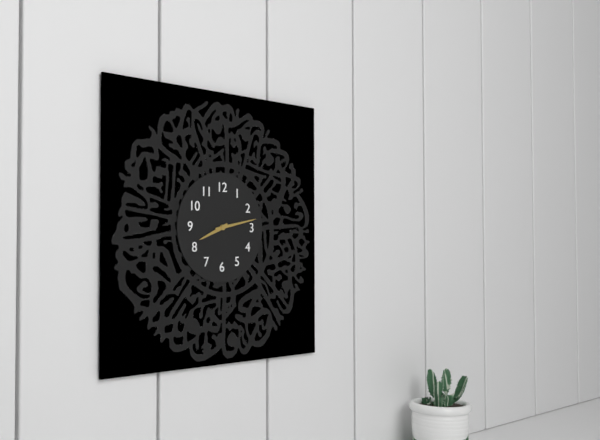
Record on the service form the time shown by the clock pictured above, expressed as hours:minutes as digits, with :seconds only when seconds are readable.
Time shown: 8:13
